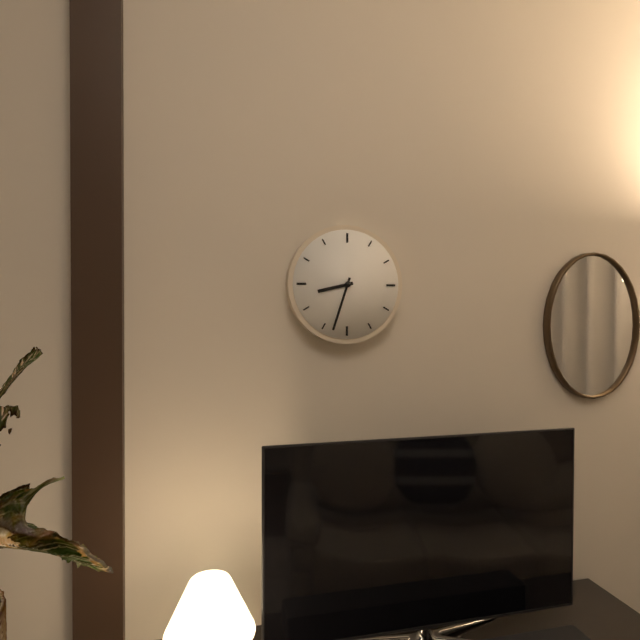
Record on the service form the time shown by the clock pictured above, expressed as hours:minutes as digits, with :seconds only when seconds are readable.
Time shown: 8:33
